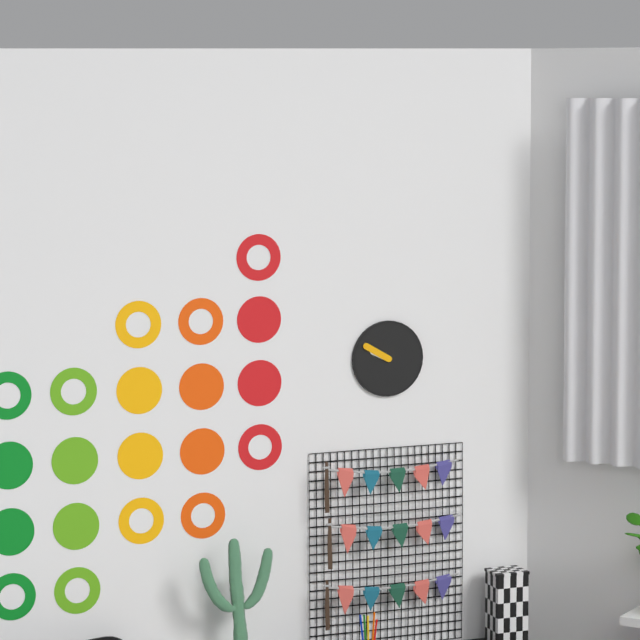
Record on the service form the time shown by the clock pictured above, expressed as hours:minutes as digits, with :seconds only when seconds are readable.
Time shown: 9:50
